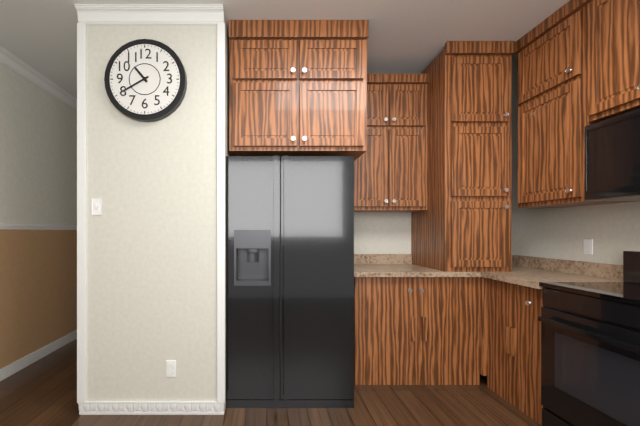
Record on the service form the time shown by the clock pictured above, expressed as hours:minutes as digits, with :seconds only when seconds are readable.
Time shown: 10:40
